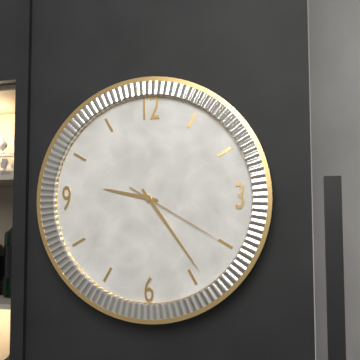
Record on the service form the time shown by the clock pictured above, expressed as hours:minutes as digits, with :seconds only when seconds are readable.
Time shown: 9:24:20
